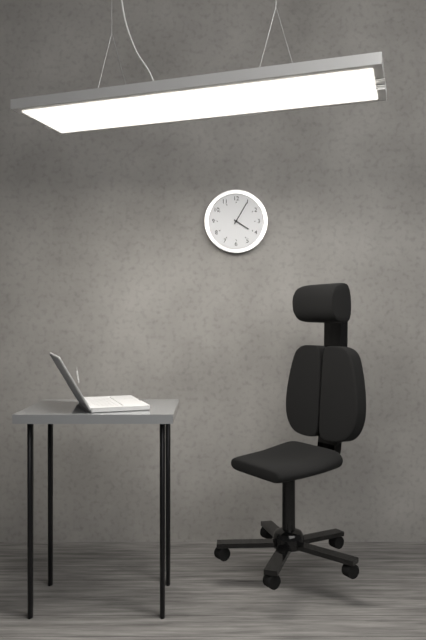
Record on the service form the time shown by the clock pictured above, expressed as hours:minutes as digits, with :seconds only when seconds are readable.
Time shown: 4:05
